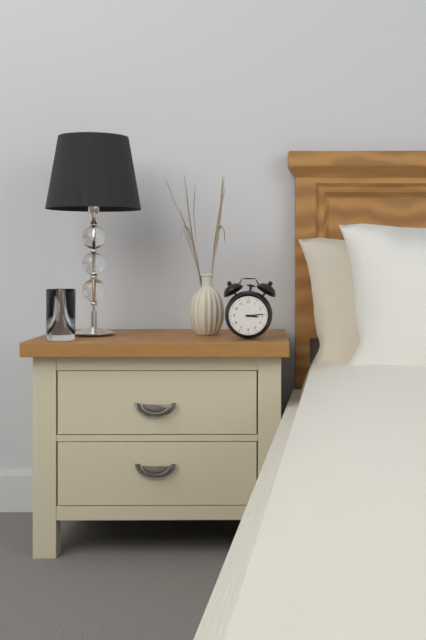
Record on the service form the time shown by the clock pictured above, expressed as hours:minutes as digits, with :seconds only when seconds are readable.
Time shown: 3:14
